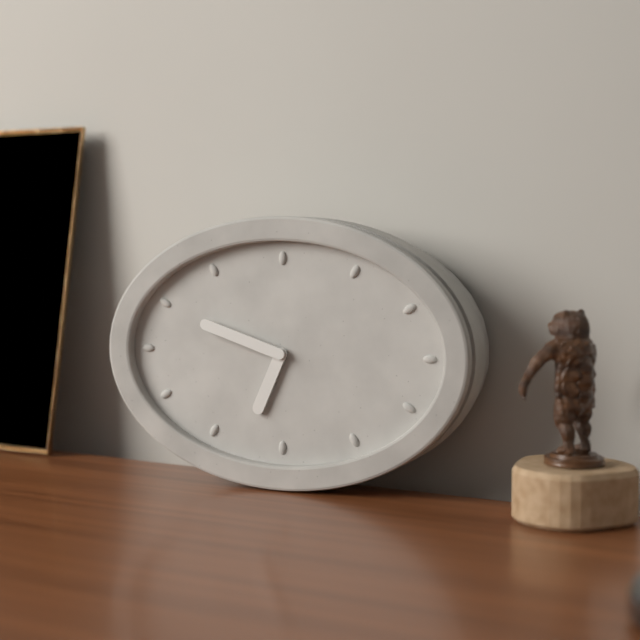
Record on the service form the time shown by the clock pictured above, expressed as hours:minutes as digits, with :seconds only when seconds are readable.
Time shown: 6:48
